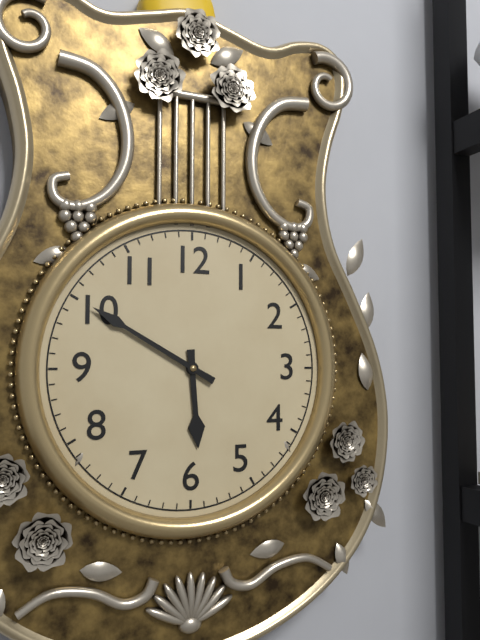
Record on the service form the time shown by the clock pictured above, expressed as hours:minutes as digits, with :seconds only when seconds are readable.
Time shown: 5:50
